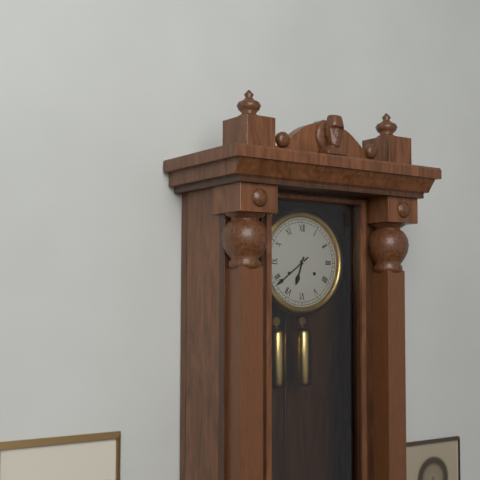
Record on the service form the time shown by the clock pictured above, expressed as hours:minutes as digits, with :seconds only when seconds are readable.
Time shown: 6:39
